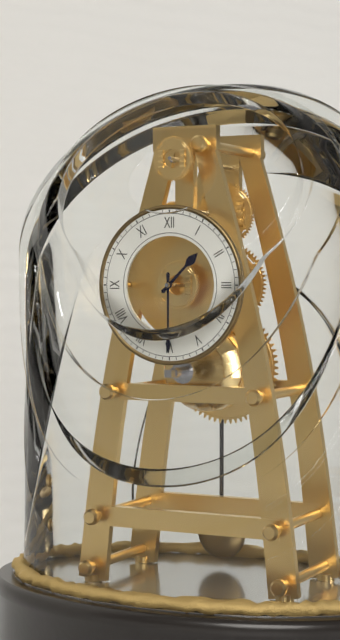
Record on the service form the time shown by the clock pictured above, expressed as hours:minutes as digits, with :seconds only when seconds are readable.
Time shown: 1:30
